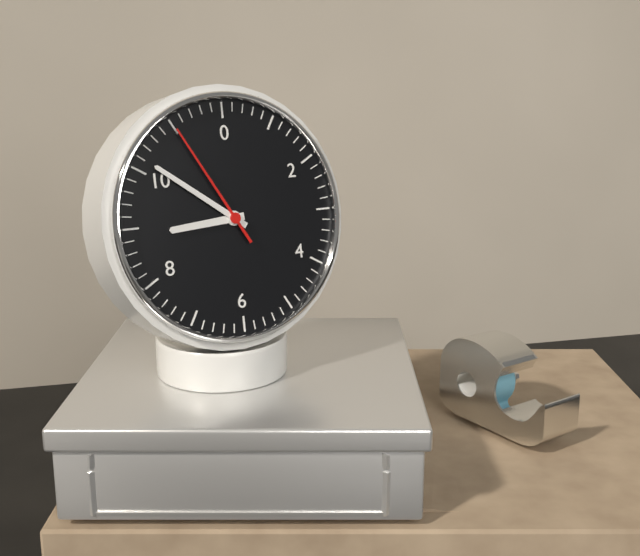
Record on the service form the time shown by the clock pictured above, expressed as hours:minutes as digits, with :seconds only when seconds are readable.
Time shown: 8:51:55
